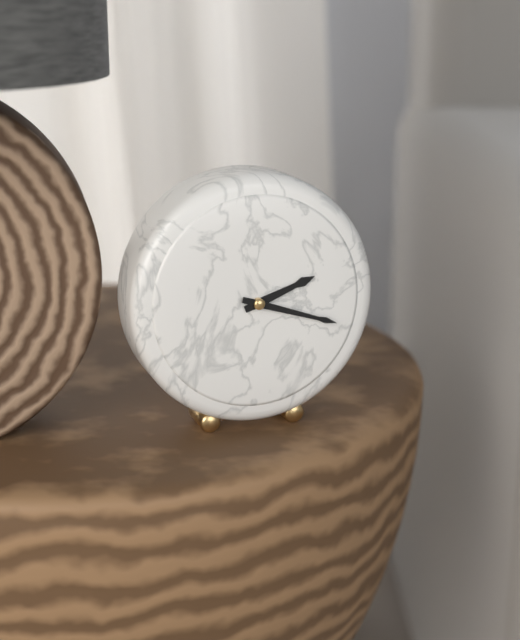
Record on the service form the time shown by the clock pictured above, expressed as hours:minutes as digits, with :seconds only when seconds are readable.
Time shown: 2:18
